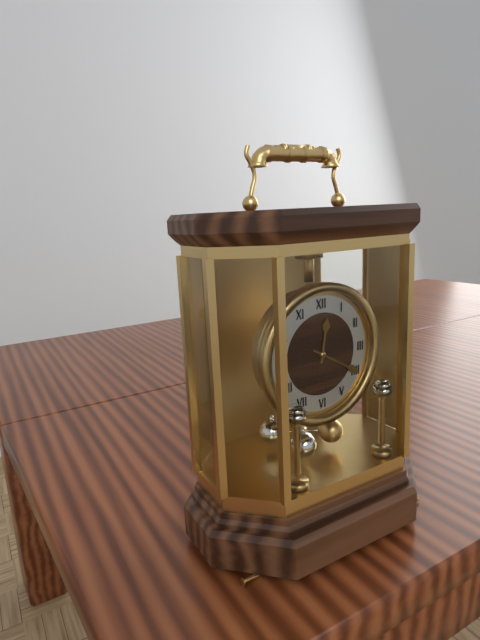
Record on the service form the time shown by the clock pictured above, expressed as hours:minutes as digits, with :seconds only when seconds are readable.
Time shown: 12:20
